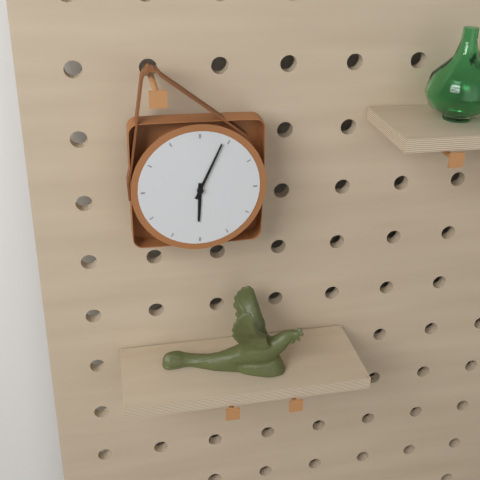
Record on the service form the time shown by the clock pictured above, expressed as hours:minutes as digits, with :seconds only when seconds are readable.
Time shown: 6:04
